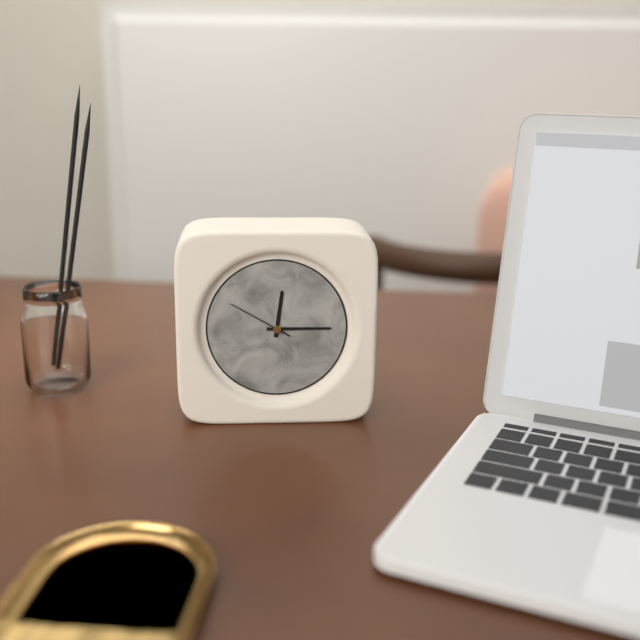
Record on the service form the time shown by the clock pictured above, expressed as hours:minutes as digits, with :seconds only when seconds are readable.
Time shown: 12:15:50
